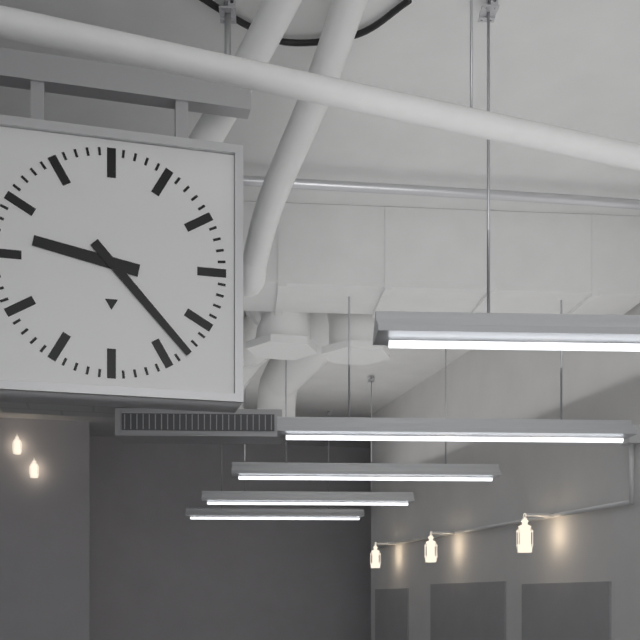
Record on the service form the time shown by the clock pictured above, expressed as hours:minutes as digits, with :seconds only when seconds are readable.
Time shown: 9:23
